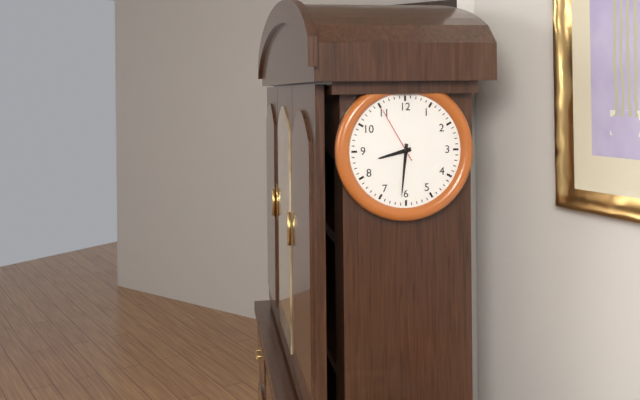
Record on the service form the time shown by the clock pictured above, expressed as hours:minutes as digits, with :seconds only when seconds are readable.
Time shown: 8:31:55
